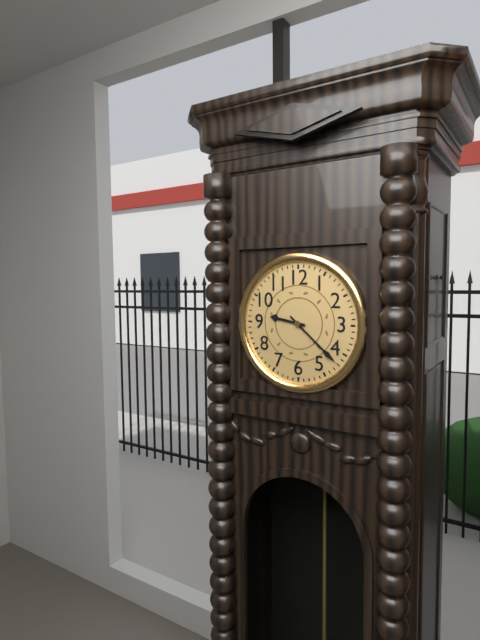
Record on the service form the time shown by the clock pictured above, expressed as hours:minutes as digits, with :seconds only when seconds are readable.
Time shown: 9:22
